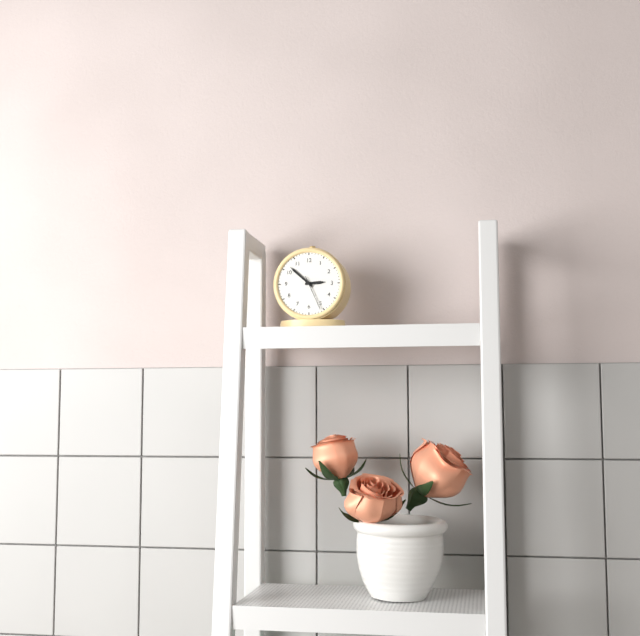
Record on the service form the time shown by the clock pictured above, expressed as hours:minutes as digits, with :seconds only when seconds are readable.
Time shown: 2:52
